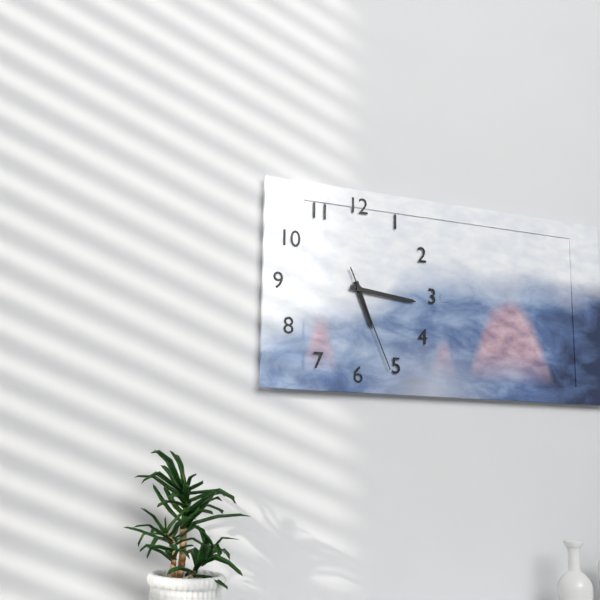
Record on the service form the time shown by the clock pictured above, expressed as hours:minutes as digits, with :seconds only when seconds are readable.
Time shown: 5:16:26
